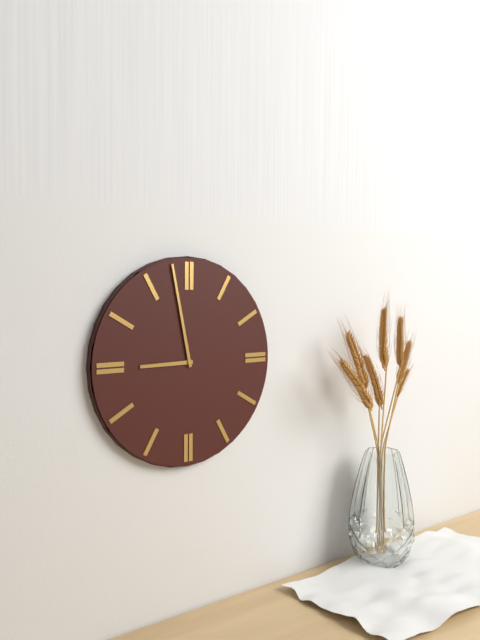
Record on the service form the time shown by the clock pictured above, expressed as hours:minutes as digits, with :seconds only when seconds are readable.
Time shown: 8:58
